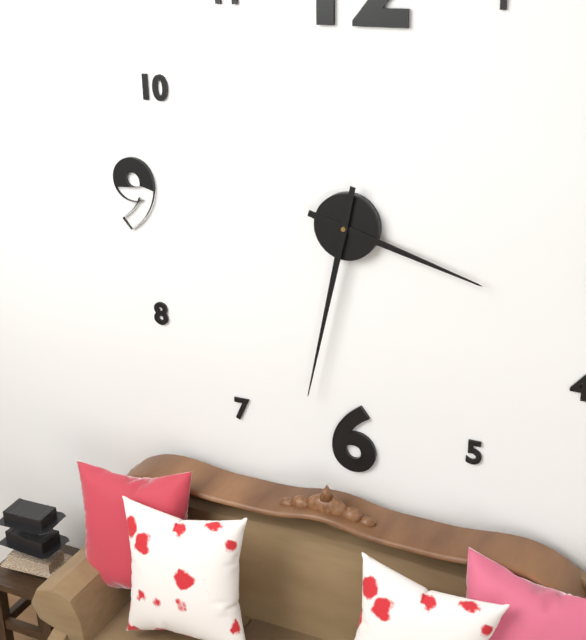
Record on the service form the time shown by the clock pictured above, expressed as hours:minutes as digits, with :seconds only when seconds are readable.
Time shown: 3:32
